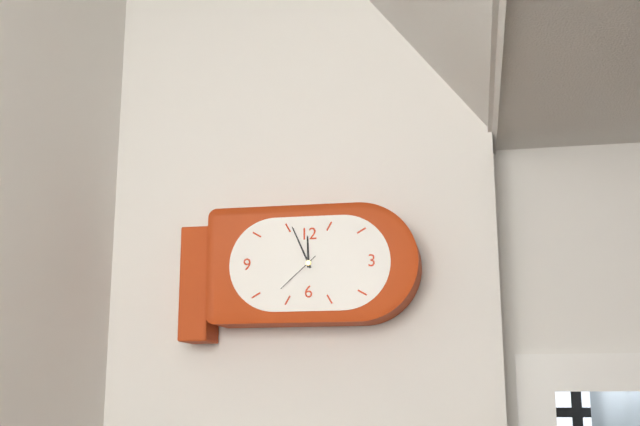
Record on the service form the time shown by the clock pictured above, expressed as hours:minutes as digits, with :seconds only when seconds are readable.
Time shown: 11:56
